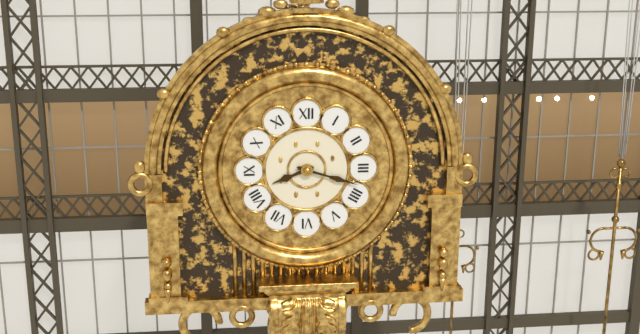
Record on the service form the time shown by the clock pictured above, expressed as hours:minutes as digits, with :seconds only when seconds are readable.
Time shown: 8:18
